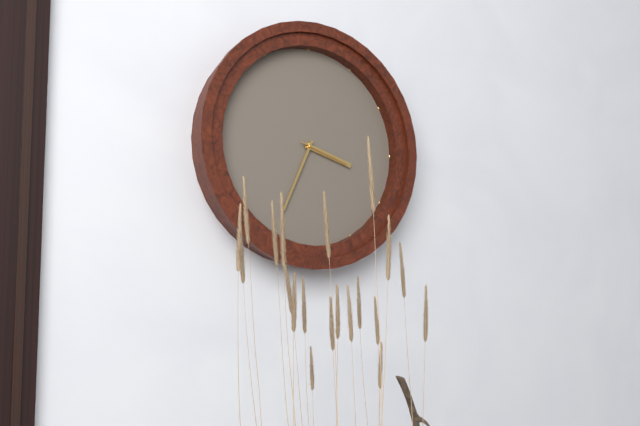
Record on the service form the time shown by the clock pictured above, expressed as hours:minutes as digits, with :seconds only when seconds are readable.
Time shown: 3:34:18
